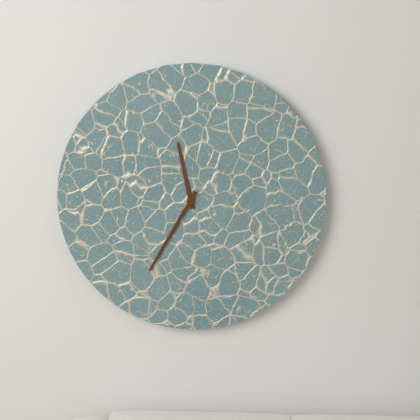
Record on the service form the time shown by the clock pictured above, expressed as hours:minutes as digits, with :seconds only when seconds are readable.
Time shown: 11:35
